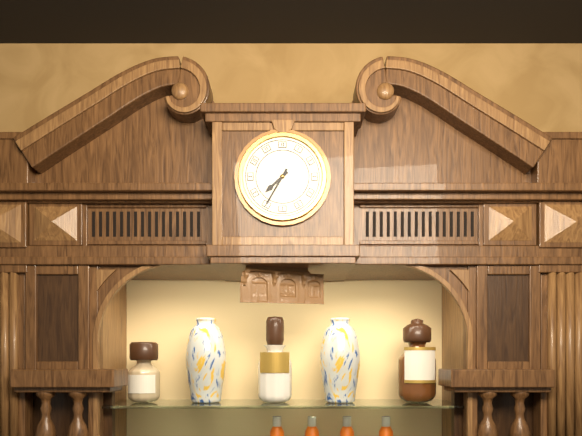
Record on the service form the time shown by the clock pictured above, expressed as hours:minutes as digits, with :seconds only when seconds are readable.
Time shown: 7:35
